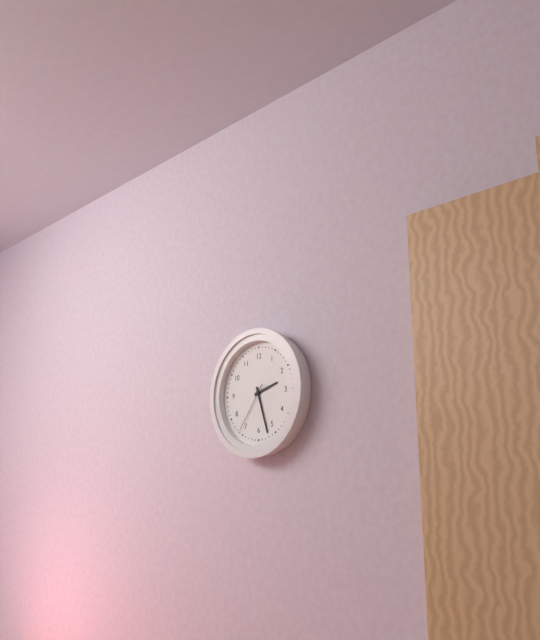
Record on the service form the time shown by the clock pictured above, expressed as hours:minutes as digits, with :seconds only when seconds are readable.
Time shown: 2:27:36
